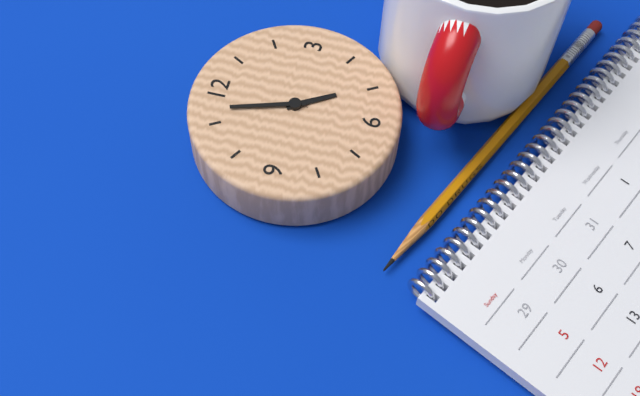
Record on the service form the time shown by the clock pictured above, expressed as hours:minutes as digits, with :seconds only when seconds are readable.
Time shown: 4:57
